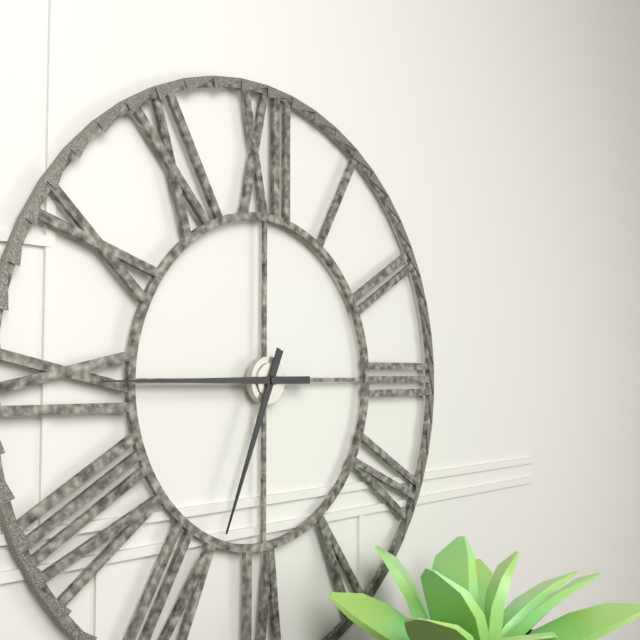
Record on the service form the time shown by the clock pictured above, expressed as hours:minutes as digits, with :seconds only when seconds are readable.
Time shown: 6:45
